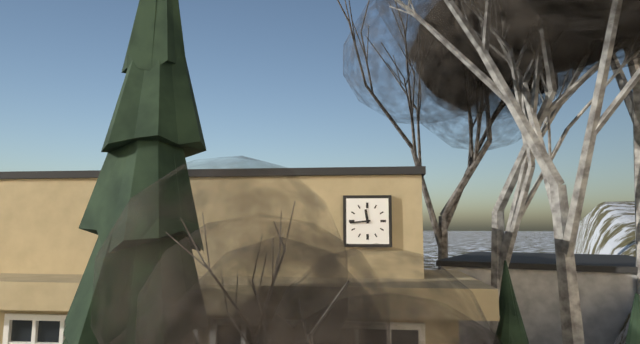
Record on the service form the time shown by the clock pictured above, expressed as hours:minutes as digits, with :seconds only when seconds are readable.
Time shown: 11:44
